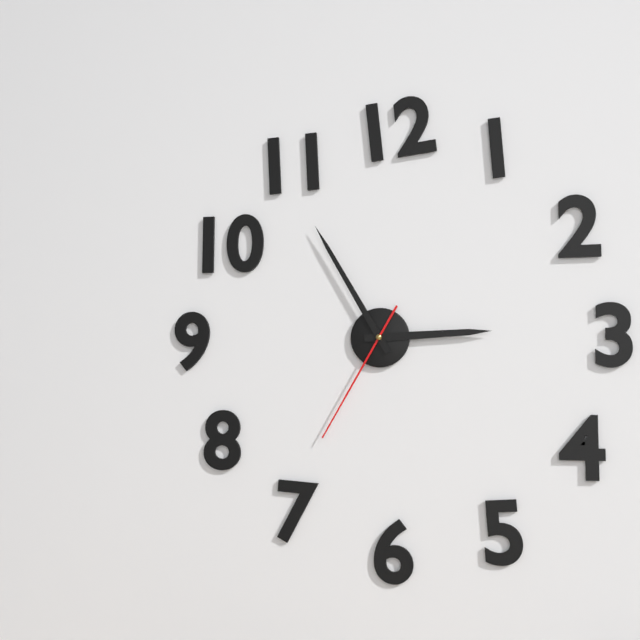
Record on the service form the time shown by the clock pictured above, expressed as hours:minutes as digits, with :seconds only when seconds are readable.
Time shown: 2:55:35
